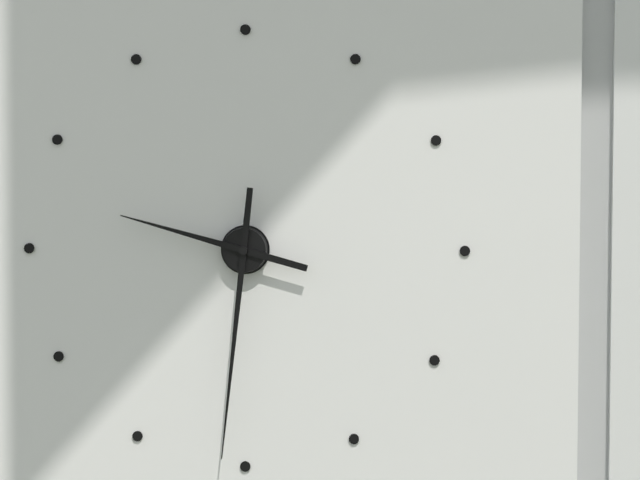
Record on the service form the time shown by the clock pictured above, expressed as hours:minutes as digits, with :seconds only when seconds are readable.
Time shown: 9:31
